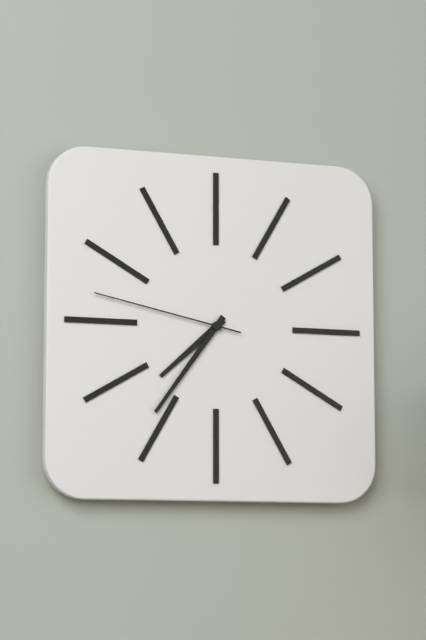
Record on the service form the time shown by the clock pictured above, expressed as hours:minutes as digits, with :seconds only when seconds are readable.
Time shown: 7:36:47
